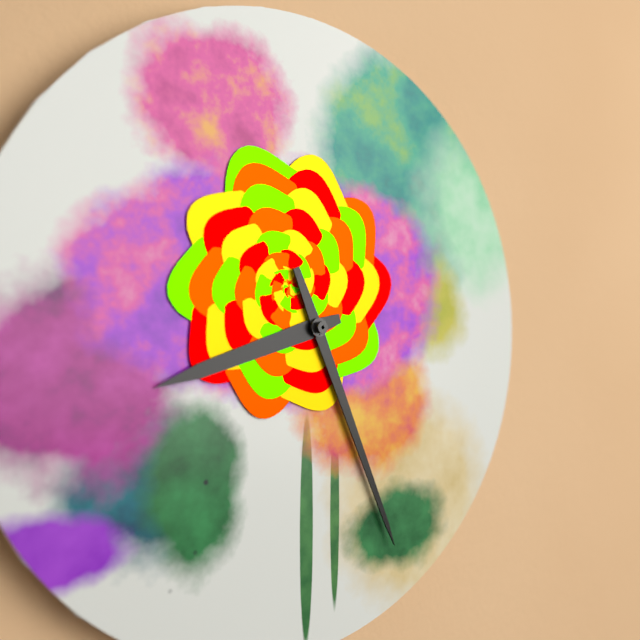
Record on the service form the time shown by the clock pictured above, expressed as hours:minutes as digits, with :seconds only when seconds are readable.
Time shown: 8:26
